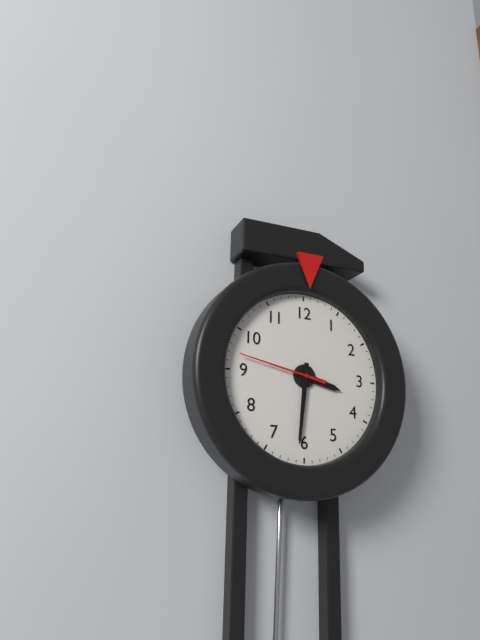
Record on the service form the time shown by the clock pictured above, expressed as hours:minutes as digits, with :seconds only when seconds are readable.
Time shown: 3:31:47
